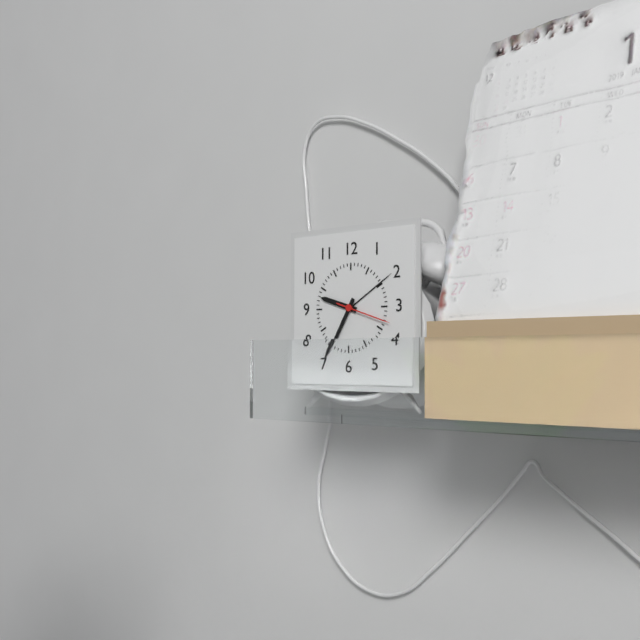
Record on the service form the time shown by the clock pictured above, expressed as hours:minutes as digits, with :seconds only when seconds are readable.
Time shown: 9:35:18
